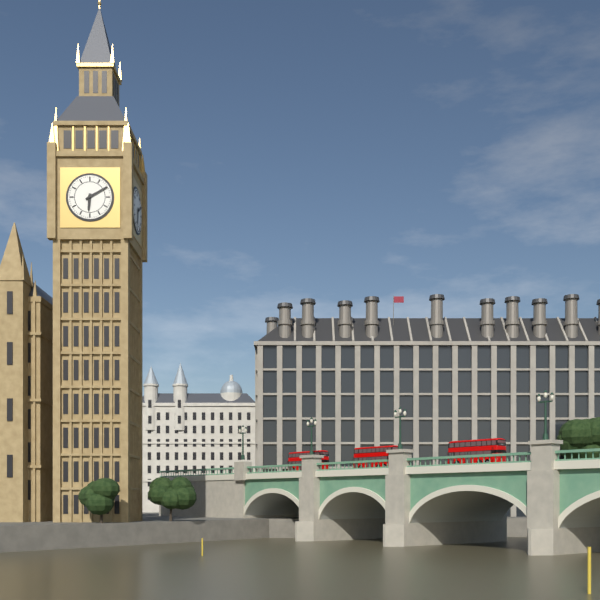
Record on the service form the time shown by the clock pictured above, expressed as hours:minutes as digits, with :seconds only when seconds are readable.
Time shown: 6:10
